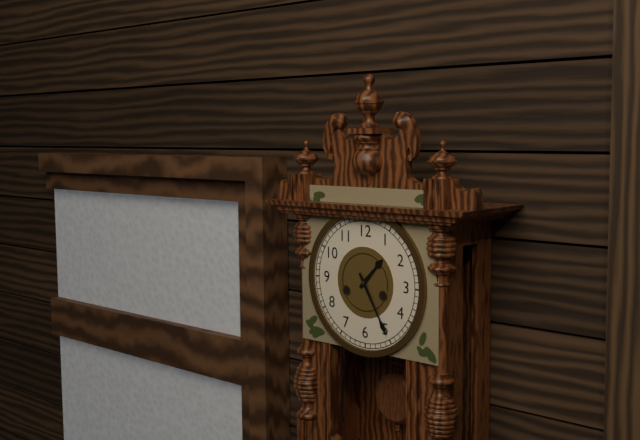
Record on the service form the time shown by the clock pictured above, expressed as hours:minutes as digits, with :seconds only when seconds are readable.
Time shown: 1:25
